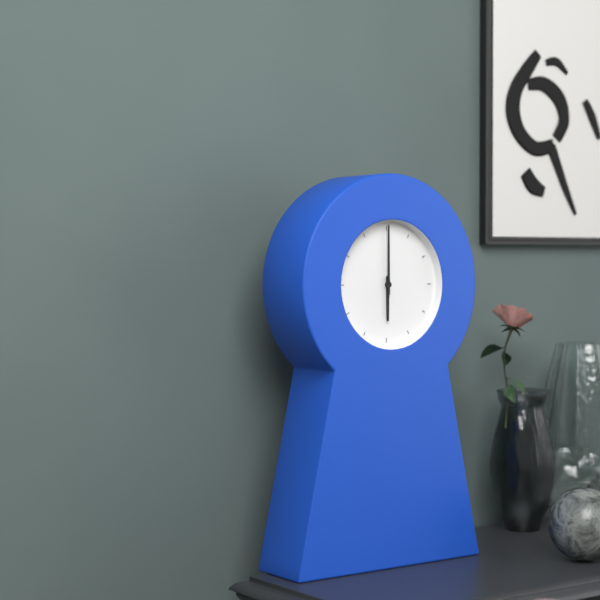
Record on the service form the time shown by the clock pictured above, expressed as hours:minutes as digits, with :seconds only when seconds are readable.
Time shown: 6:00
